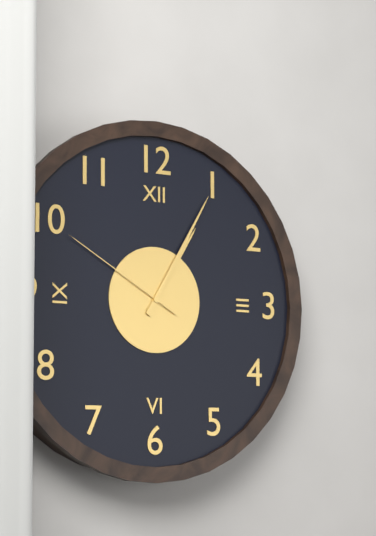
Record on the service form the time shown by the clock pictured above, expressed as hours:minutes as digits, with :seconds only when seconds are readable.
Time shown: 1:05:50
